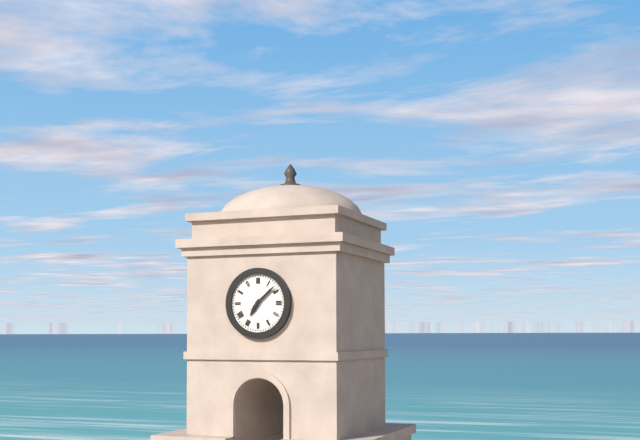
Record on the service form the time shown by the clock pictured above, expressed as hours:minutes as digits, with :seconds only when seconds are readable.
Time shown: 7:08
